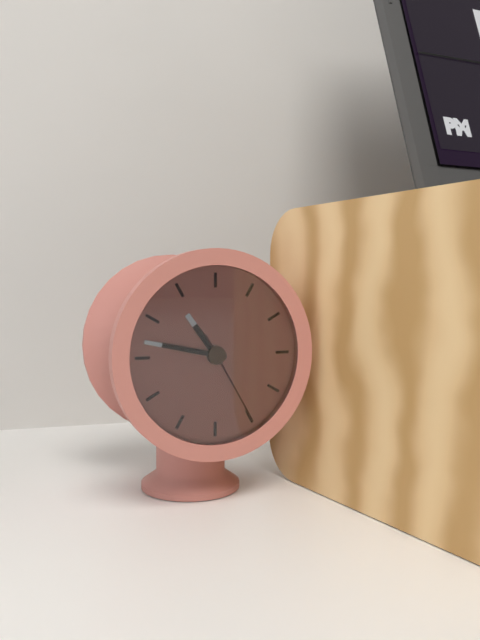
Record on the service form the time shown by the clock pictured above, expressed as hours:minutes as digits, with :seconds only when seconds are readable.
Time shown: 10:47:25
